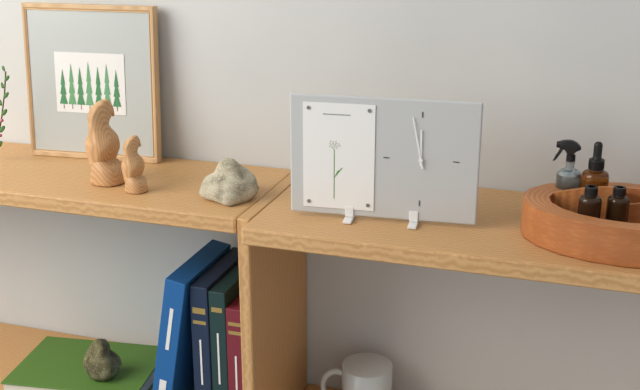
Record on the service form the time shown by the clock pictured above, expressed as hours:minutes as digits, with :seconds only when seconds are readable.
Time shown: 11:58
